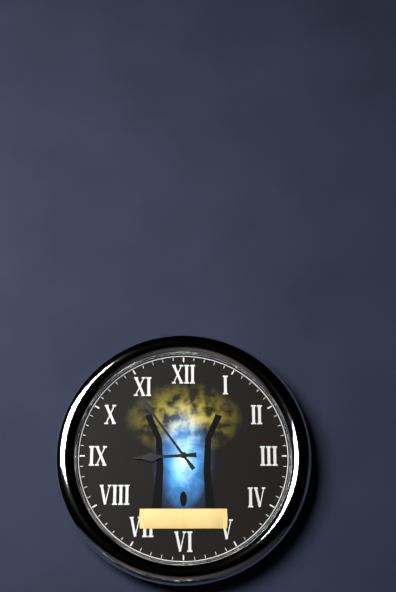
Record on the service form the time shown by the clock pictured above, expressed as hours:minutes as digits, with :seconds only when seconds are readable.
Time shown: 8:54
